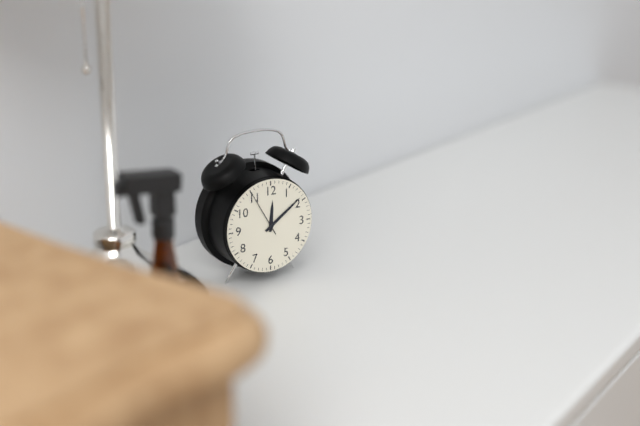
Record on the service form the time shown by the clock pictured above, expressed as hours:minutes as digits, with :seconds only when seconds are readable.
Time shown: 12:09
